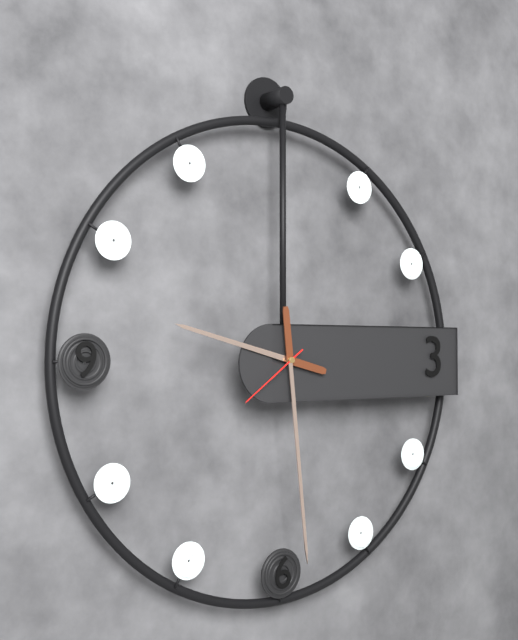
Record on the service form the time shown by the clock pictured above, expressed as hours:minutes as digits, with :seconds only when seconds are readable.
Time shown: 9:29:39
